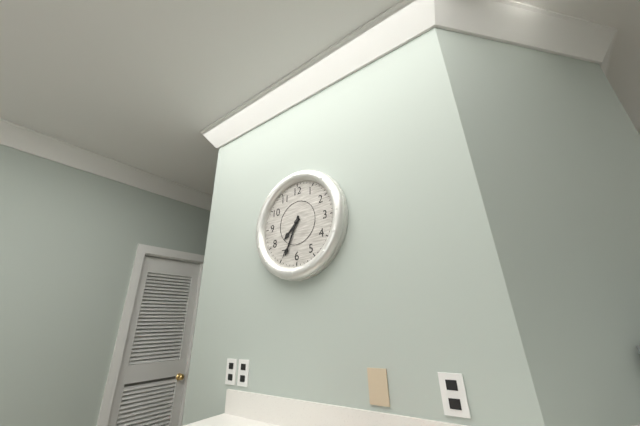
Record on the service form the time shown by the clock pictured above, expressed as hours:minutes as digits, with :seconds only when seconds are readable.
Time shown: 7:34
